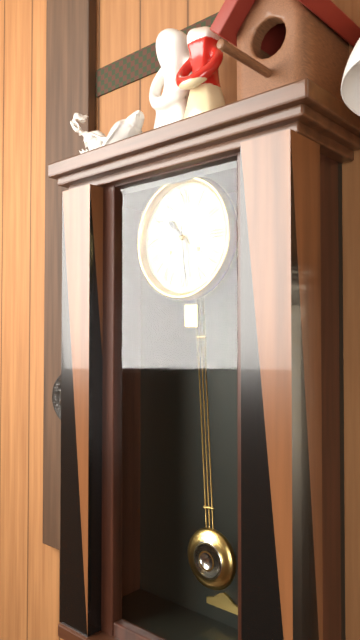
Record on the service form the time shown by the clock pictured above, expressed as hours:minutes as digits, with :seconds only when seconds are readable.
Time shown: 10:29
